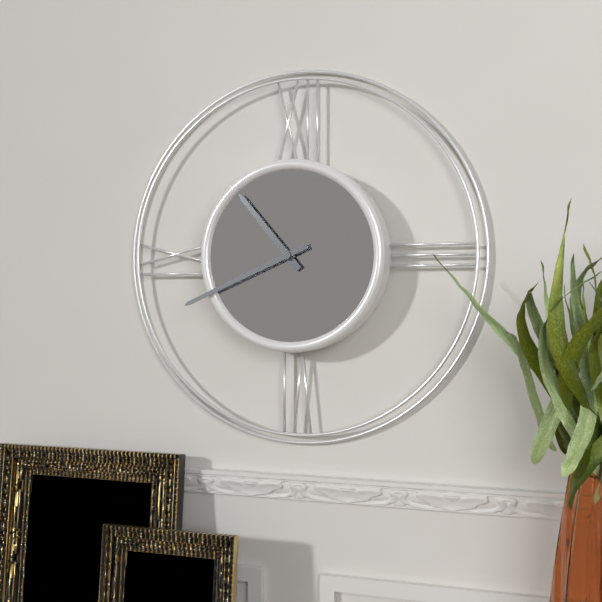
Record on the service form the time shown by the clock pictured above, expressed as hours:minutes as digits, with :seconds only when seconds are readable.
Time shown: 10:41
